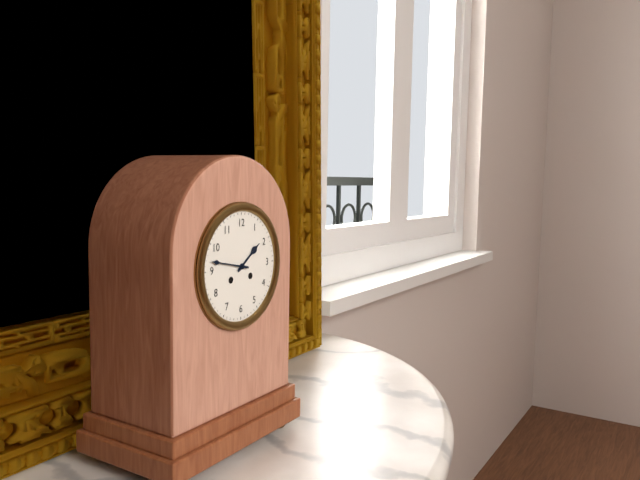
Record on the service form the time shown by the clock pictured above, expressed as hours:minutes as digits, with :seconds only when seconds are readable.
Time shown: 1:47
